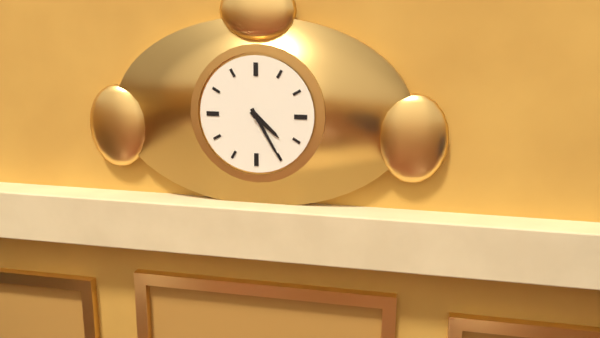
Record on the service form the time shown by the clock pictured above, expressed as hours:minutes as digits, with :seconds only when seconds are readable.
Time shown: 4:25
